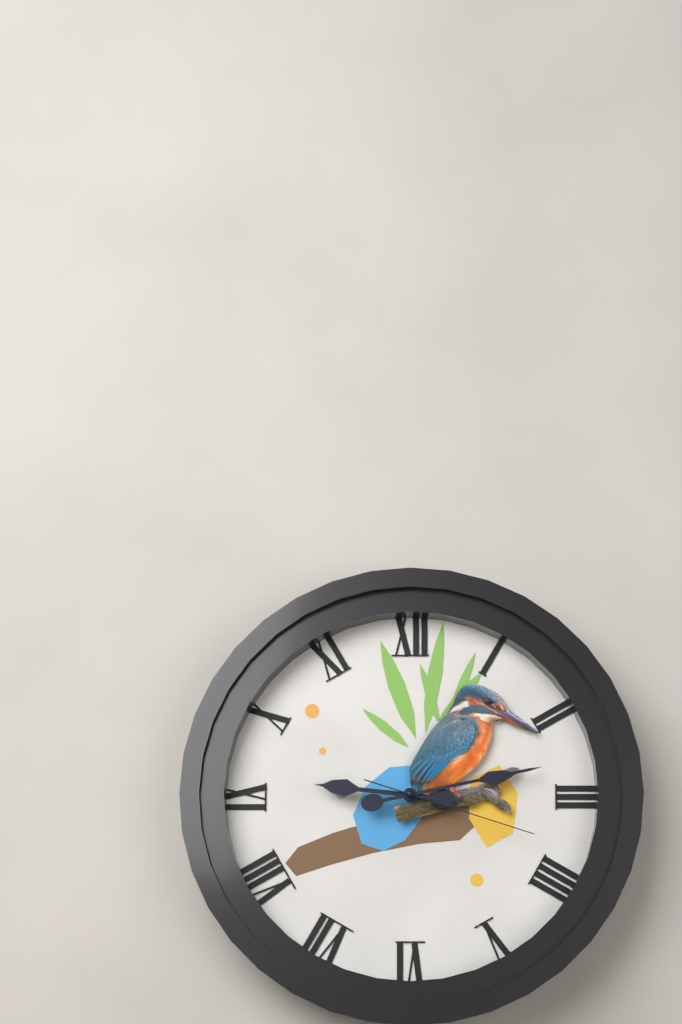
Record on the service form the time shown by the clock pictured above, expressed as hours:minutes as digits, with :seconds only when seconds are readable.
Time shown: 9:13:18
